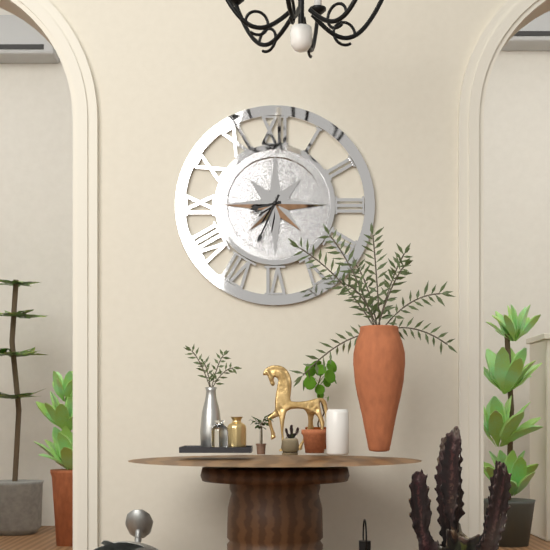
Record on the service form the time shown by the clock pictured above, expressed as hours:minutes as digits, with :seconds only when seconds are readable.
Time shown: 8:34
